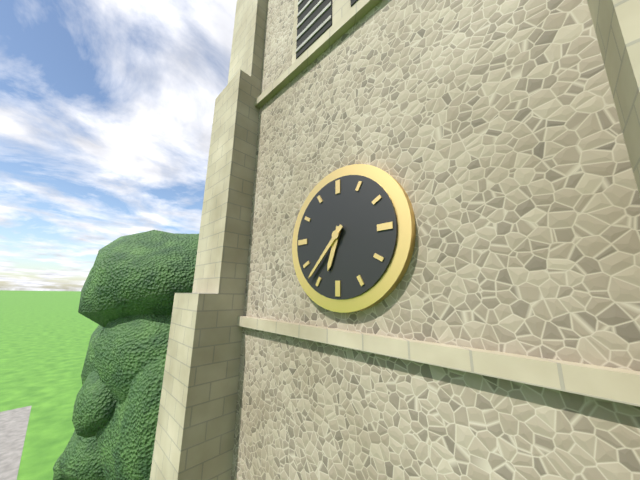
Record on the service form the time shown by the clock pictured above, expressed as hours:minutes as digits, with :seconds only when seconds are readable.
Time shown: 6:37
